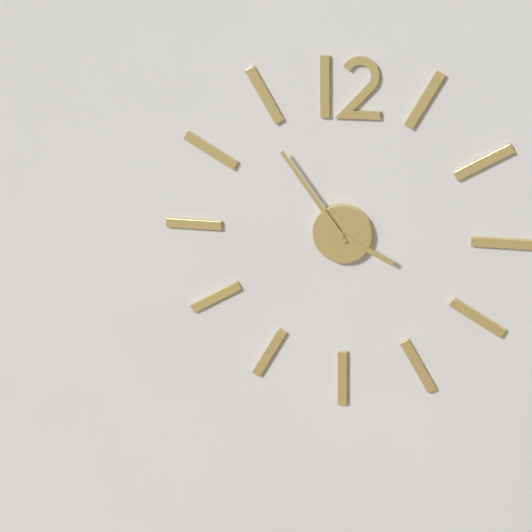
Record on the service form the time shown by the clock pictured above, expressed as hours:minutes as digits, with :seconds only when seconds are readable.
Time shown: 3:54
